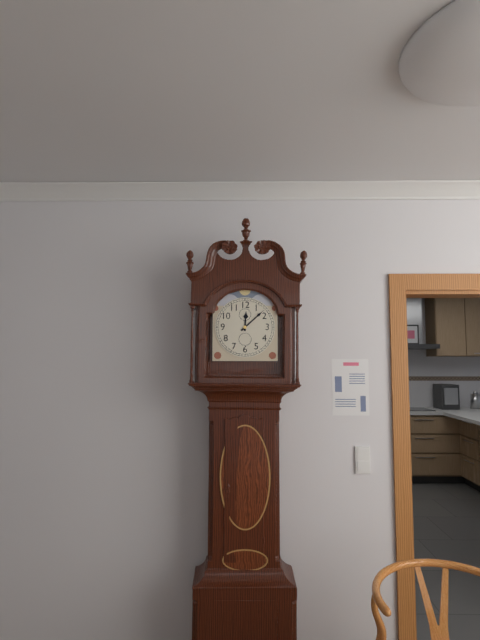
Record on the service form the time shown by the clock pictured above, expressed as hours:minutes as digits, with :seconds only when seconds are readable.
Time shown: 12:08
